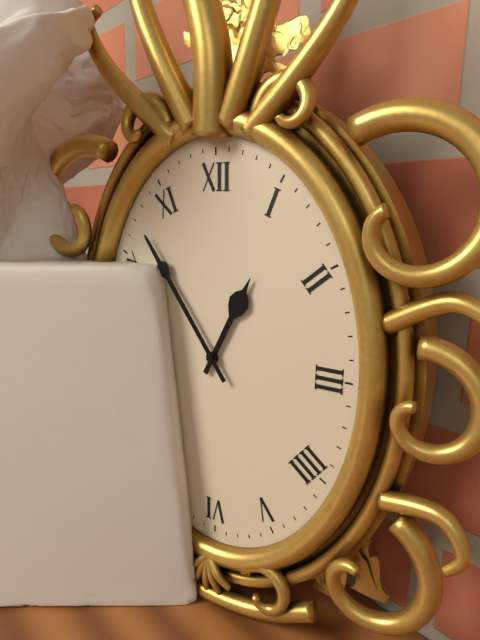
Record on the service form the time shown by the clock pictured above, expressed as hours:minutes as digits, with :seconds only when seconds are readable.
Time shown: 12:54
